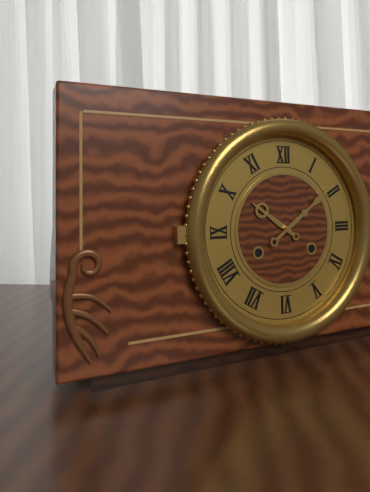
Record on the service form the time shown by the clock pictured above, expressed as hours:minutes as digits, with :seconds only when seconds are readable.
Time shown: 10:09
